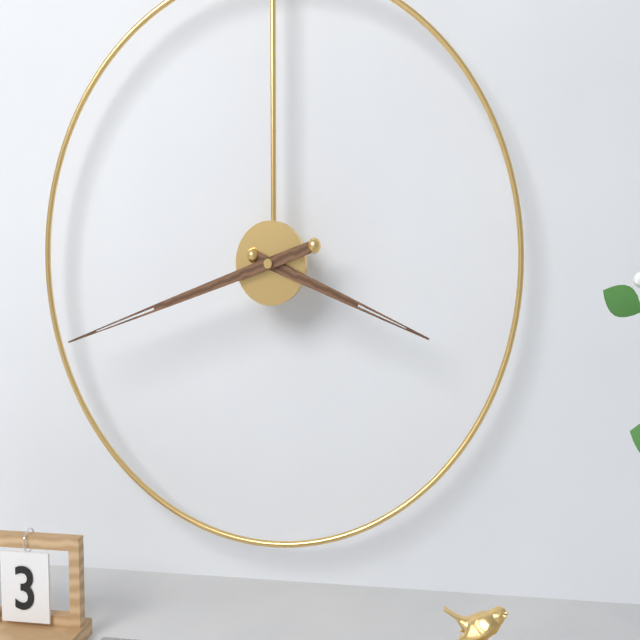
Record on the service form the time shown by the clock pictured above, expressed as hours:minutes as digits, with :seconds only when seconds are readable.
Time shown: 3:42
